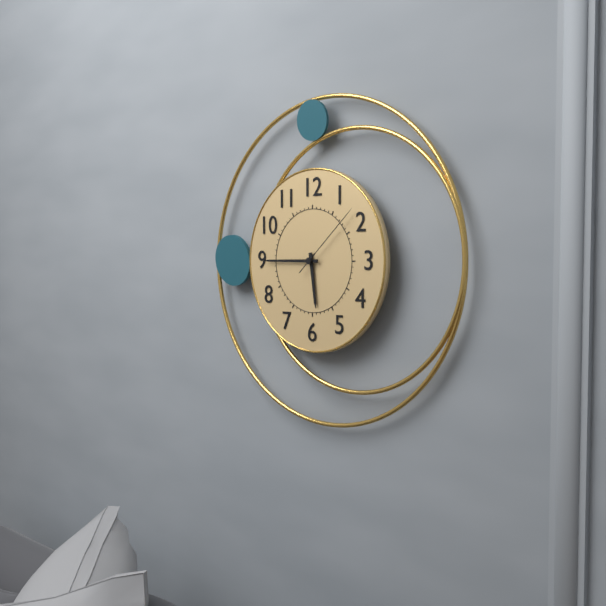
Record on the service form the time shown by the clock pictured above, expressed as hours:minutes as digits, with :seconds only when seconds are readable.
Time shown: 5:45:08
